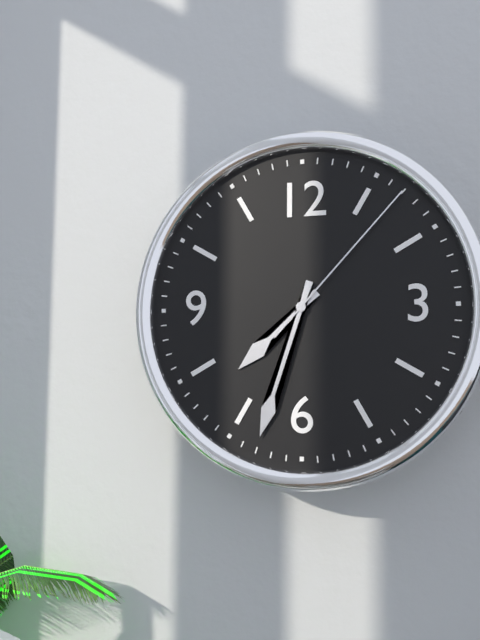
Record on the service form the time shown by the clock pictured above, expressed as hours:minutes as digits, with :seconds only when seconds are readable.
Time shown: 7:33:07
